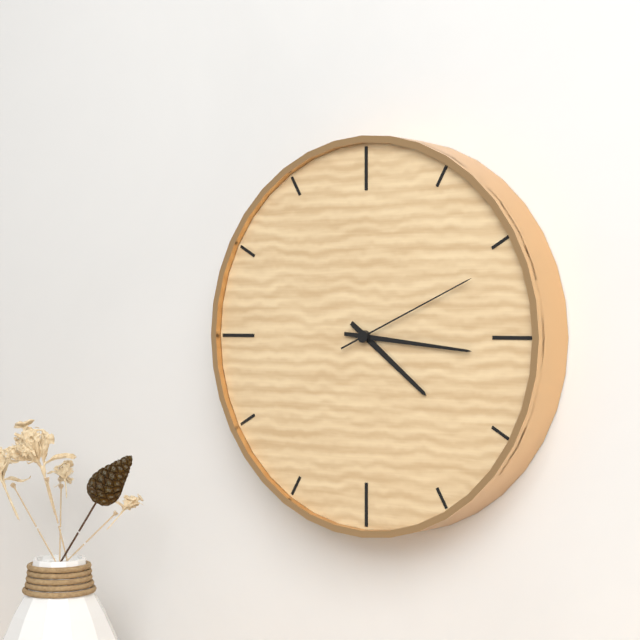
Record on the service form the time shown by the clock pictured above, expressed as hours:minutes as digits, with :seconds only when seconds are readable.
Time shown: 4:16:11
